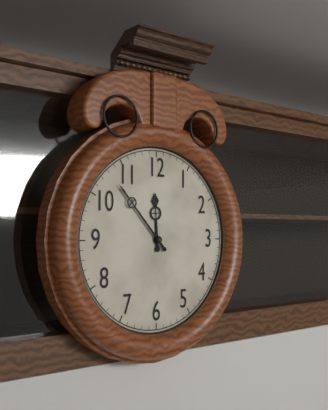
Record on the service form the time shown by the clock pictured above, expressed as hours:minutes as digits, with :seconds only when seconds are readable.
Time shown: 11:53
